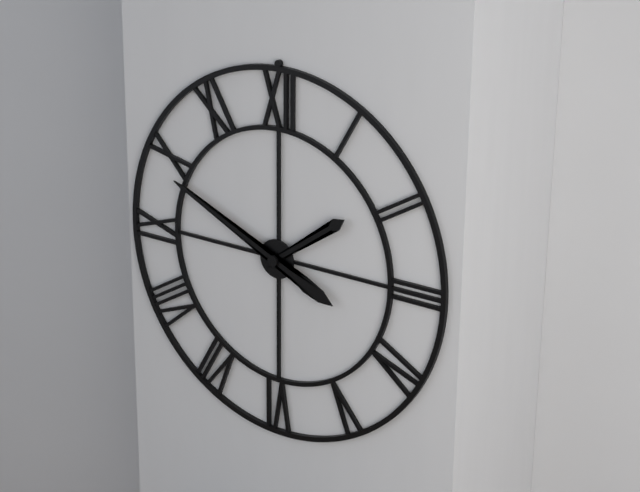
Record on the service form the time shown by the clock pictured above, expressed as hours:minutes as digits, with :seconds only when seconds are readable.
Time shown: 1:49
